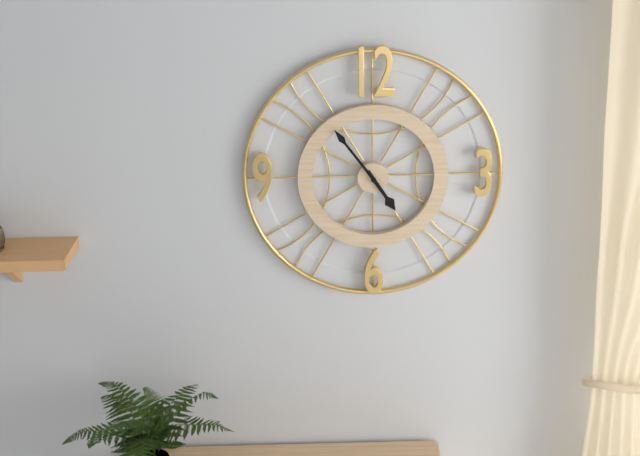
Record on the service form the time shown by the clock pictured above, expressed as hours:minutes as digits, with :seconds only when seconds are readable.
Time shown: 4:54
